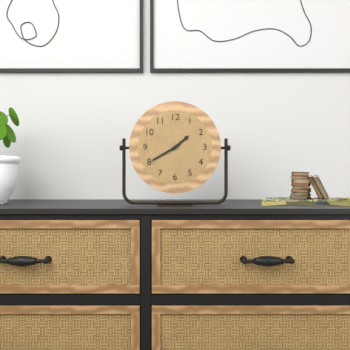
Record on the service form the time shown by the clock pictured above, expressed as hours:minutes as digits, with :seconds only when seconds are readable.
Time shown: 1:40
